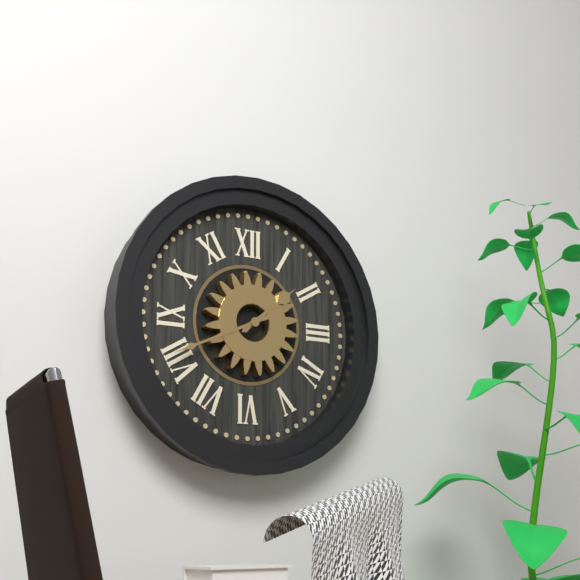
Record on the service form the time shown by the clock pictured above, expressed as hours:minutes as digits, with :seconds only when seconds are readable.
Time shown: 1:41
